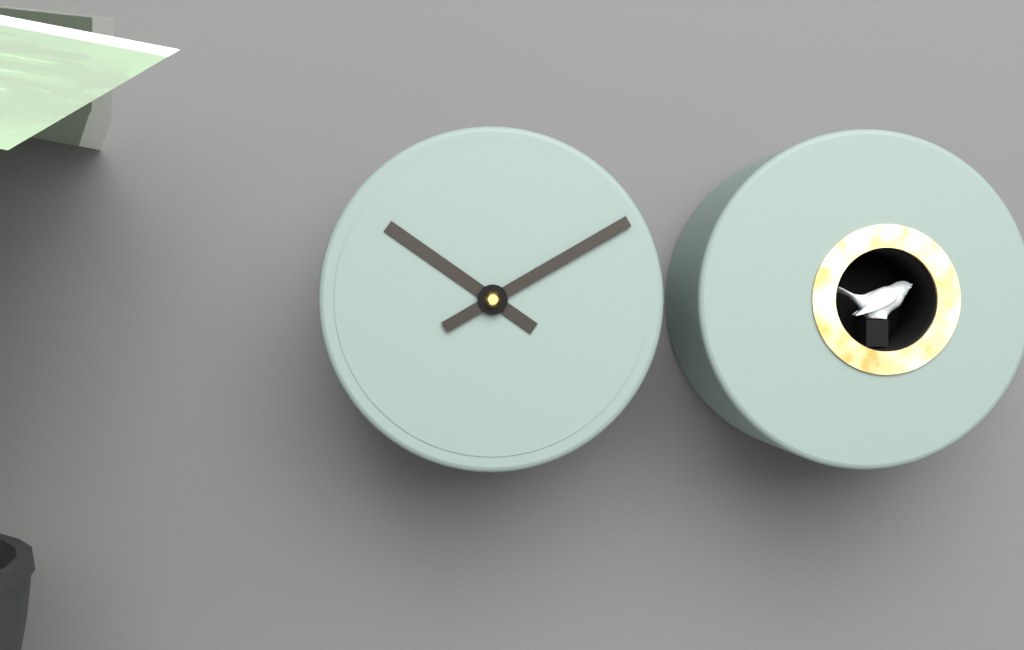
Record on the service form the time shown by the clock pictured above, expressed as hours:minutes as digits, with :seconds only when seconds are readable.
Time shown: 10:10
